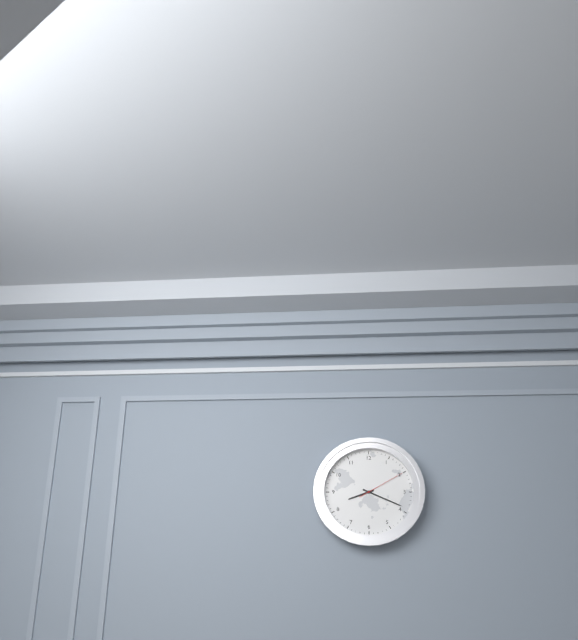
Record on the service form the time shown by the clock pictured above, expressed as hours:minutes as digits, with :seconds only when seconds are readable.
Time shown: 8:19
